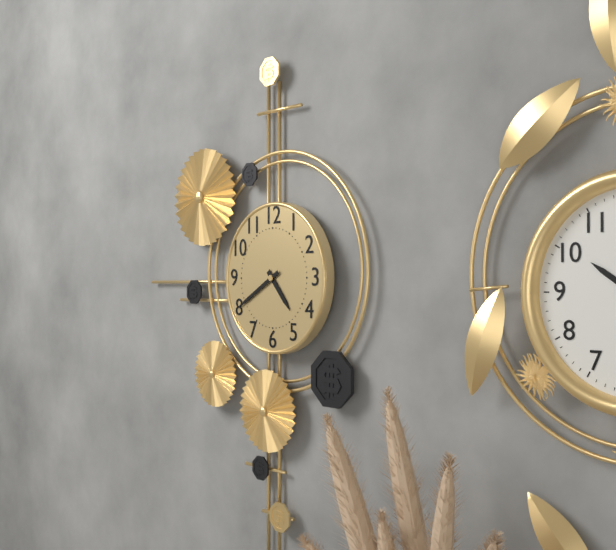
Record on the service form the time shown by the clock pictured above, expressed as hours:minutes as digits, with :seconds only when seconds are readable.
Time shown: 4:40
